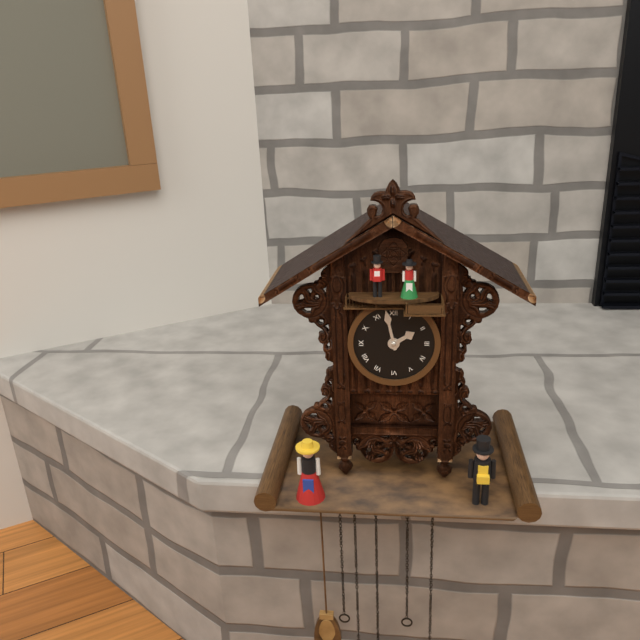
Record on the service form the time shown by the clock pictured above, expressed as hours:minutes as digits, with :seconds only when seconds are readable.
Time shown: 1:58
